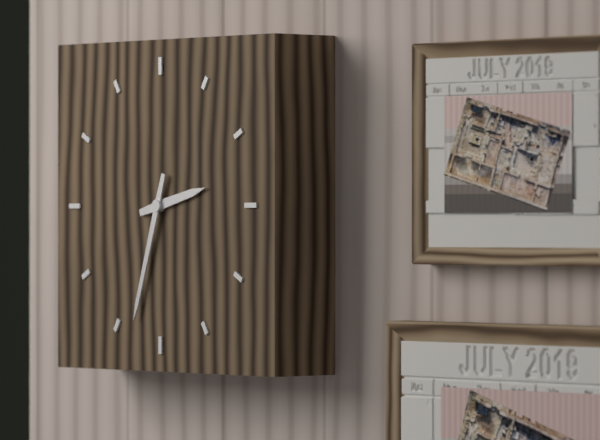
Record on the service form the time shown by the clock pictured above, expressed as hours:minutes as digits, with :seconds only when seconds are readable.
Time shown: 2:33
